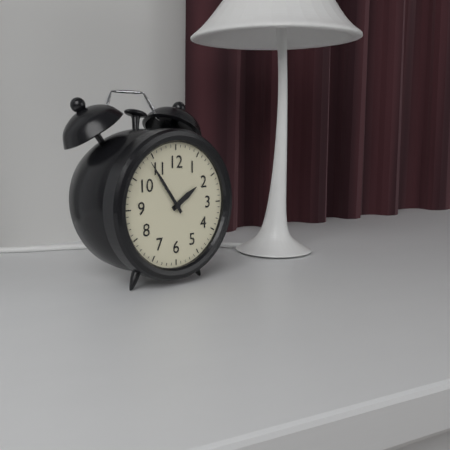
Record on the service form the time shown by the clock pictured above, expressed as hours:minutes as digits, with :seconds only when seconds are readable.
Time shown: 1:54
